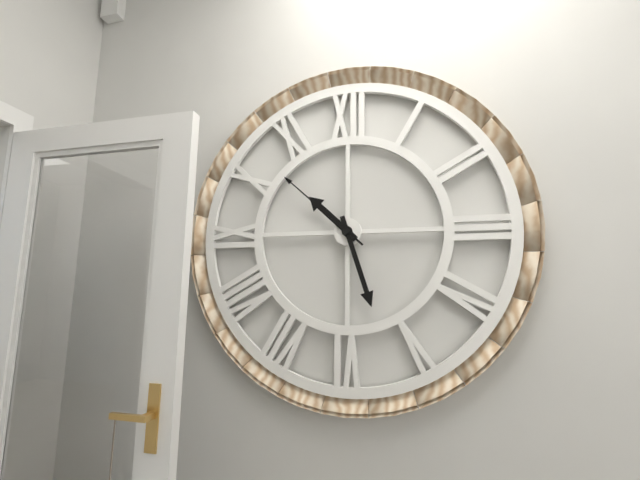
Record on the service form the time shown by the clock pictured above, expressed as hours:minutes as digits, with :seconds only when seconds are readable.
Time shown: 10:27:52
